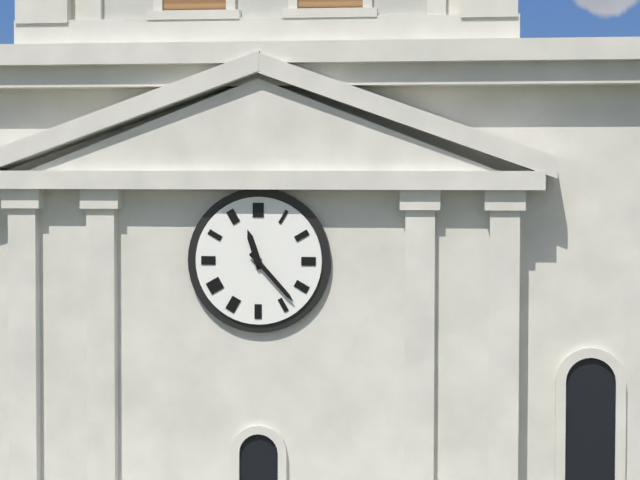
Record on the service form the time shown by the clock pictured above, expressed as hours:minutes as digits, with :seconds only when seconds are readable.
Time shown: 11:23
